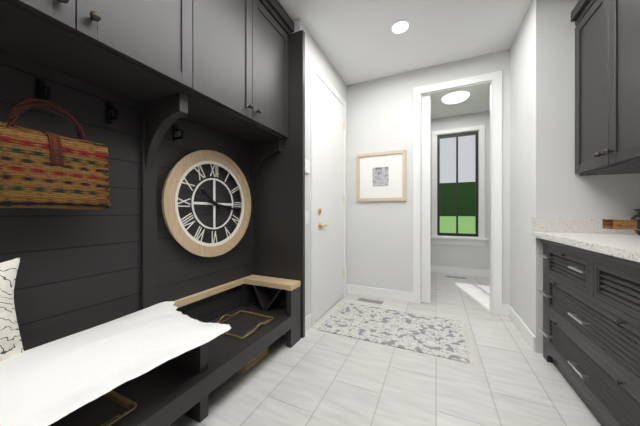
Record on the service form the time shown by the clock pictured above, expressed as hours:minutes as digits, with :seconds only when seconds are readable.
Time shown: 10:17
